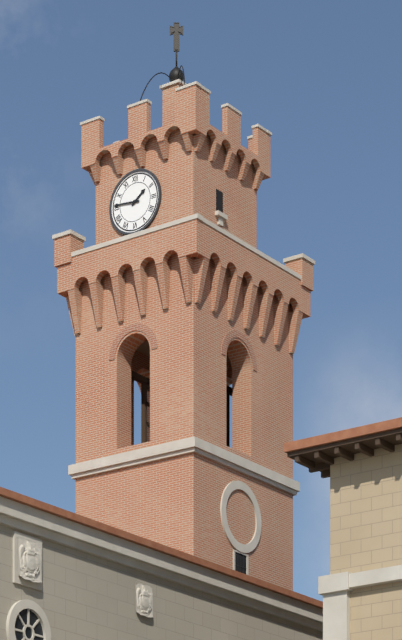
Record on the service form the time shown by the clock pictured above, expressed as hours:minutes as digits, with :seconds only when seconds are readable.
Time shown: 1:46
